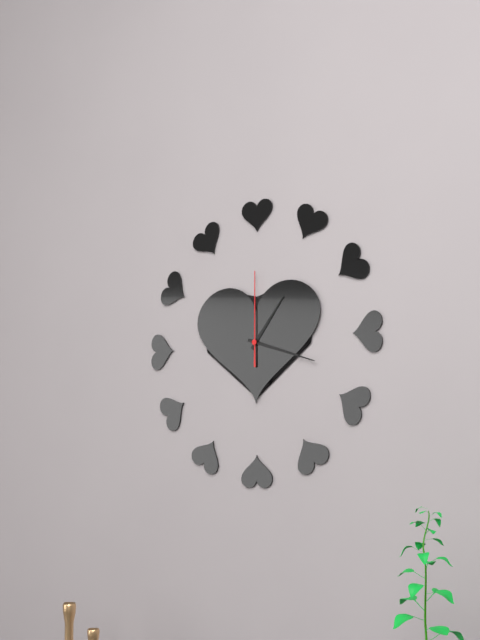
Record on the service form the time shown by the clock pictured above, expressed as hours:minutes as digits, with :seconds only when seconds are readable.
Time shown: 1:18:00
